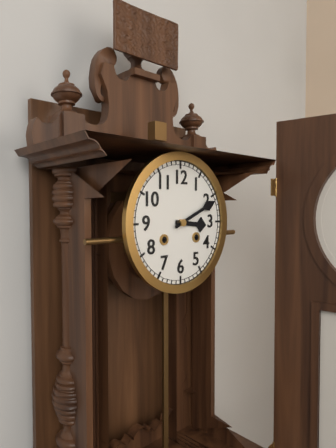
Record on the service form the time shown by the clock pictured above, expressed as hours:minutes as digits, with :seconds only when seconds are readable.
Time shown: 3:11
